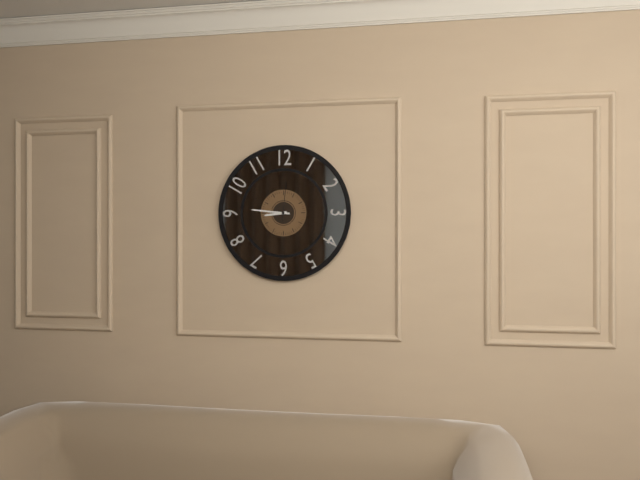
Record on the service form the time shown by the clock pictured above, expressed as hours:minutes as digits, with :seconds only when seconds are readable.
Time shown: 8:46
